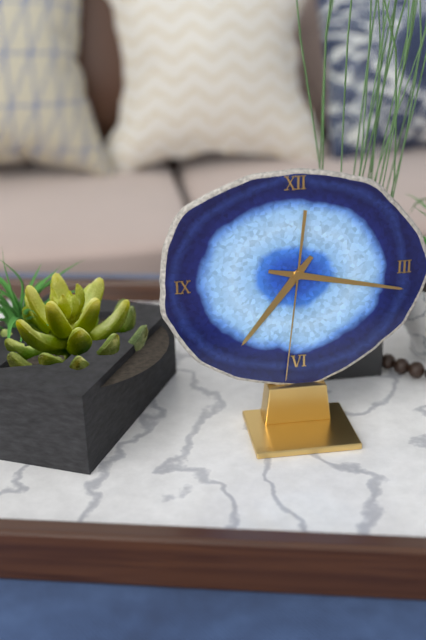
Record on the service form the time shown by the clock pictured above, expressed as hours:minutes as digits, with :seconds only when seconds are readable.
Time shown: 7:17:31
